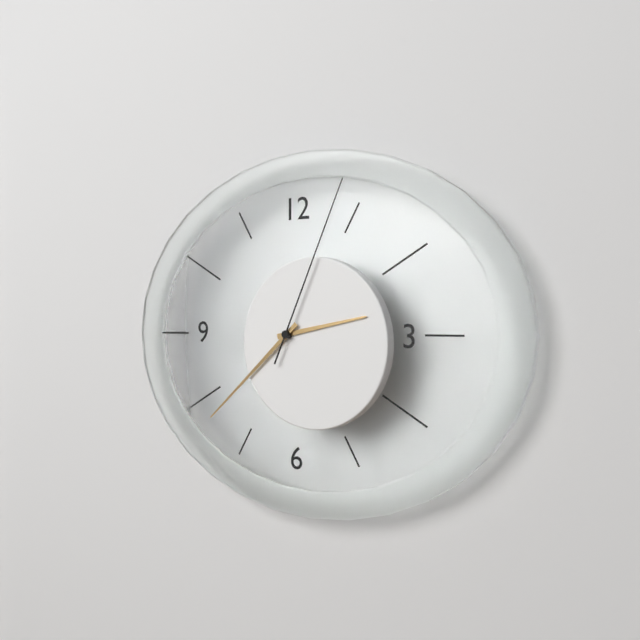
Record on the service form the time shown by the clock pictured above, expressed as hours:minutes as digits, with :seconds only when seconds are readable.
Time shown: 2:38:04
